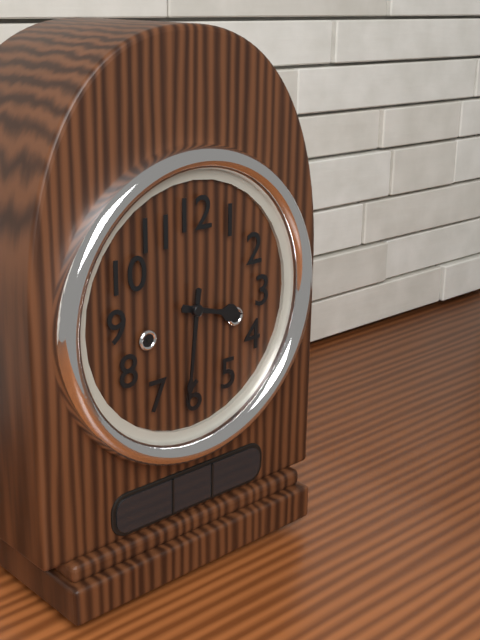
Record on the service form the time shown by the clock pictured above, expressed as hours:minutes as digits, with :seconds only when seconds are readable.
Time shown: 3:31
